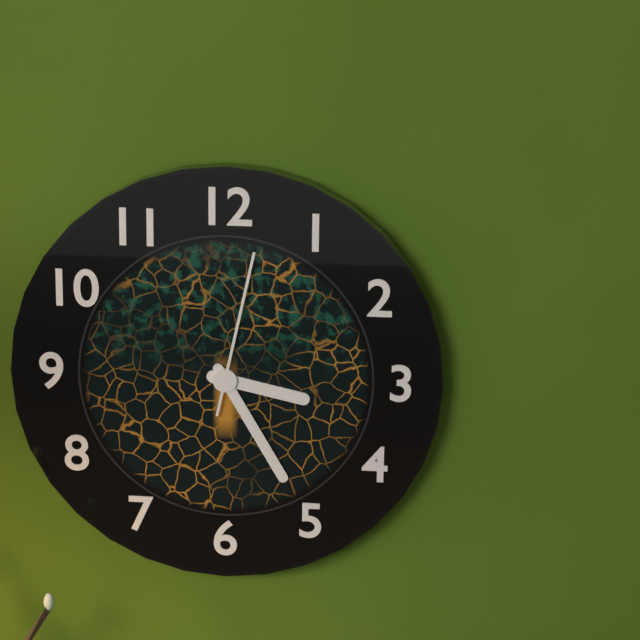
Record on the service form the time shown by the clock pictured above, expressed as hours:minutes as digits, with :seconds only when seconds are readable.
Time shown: 3:25:02
